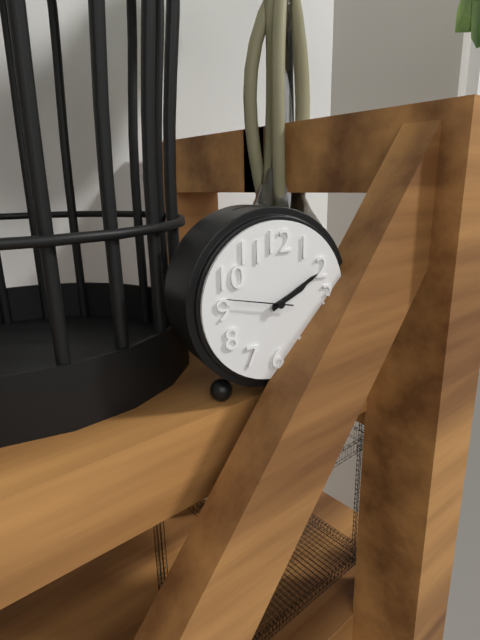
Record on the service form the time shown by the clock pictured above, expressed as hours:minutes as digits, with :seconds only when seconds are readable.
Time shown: 2:10:47
